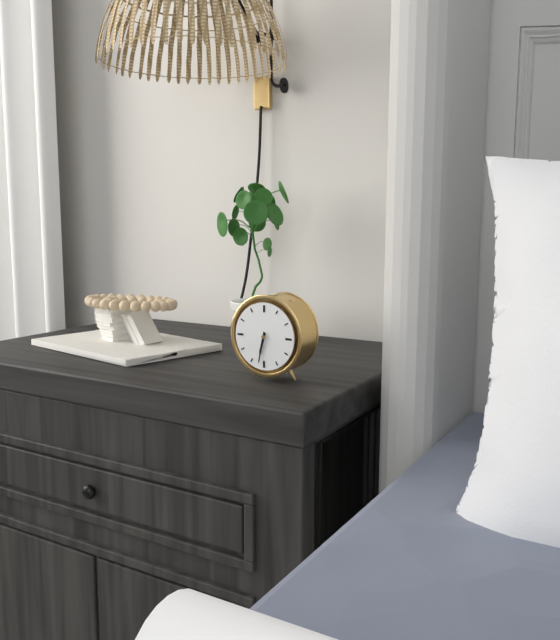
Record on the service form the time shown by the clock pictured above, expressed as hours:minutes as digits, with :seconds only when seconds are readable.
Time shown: 6:32
